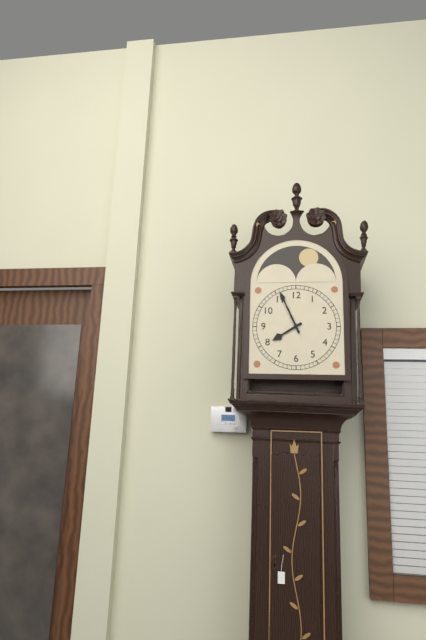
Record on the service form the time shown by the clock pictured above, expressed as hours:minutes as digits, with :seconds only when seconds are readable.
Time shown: 7:56
